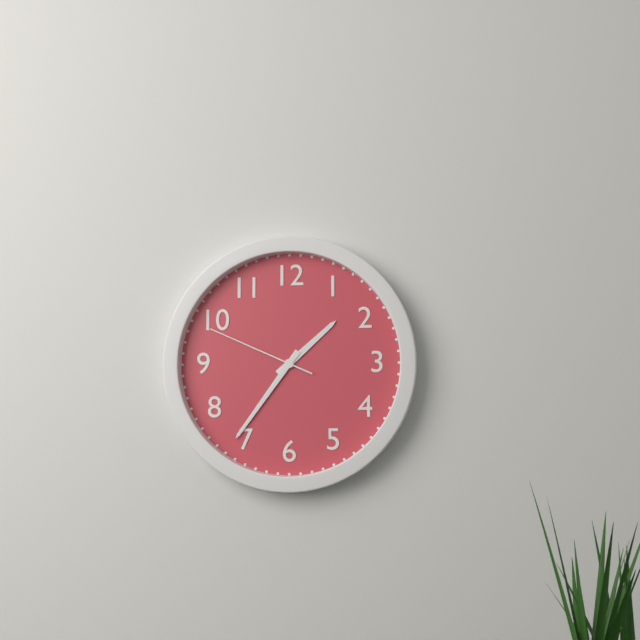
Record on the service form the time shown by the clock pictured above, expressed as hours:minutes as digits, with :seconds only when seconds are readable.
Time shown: 1:36:49
